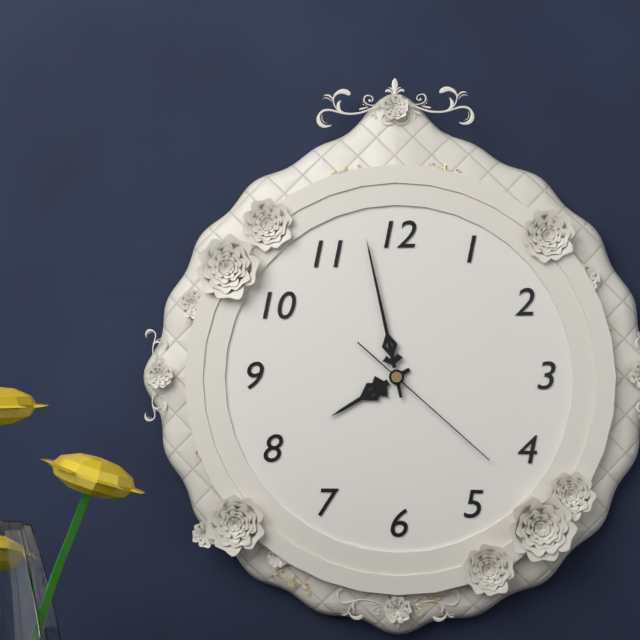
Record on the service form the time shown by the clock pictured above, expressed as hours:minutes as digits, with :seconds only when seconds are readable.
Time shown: 7:58:22
